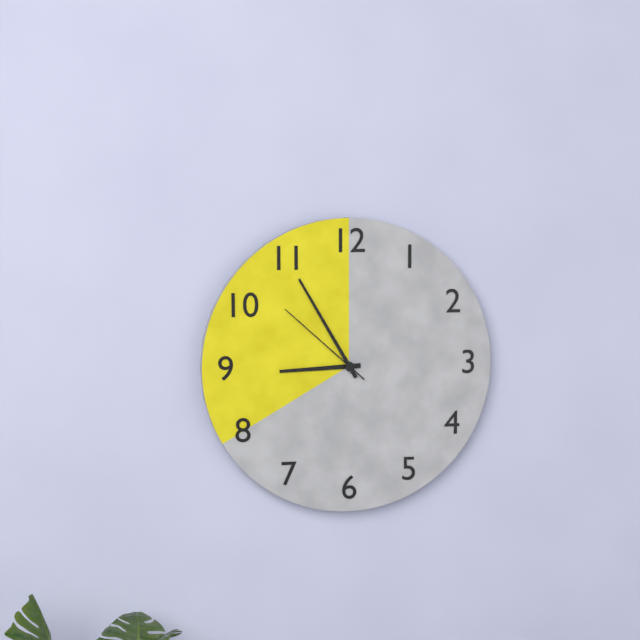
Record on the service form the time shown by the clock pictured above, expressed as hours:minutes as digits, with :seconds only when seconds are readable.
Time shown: 8:55:52
